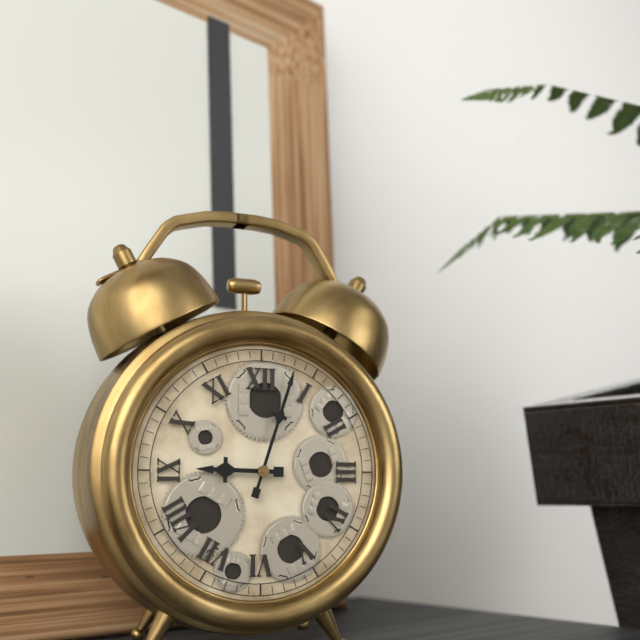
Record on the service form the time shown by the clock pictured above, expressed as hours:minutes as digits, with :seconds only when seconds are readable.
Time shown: 9:03
